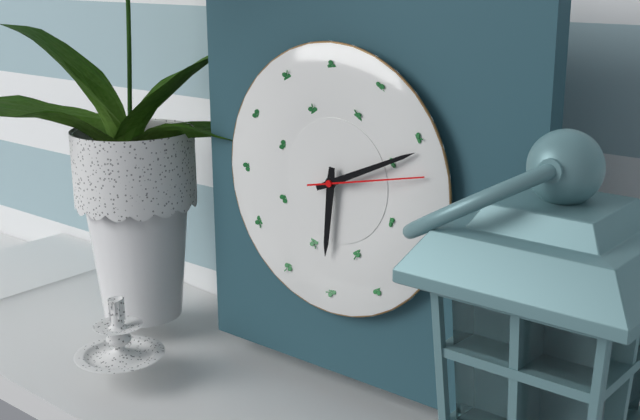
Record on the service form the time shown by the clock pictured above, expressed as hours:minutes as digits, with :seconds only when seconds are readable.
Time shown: 6:11:13
